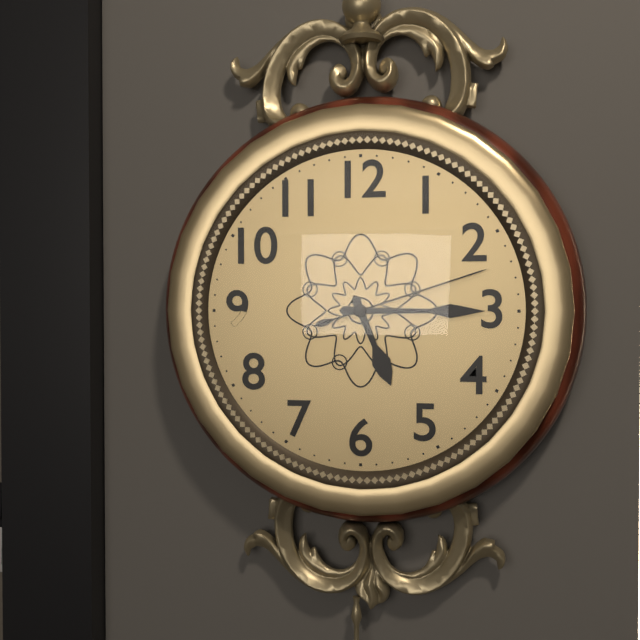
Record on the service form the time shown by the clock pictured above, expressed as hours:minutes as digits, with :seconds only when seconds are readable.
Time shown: 5:15:12
